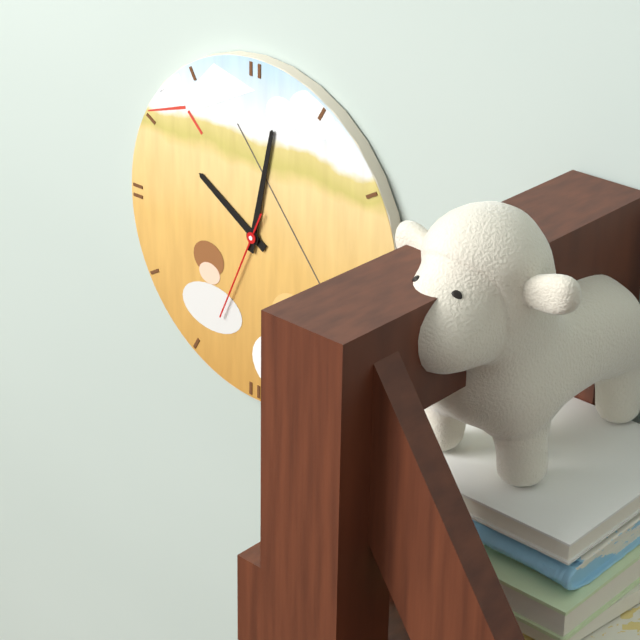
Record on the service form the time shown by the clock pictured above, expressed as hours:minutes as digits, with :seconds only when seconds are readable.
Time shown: 10:02:34
